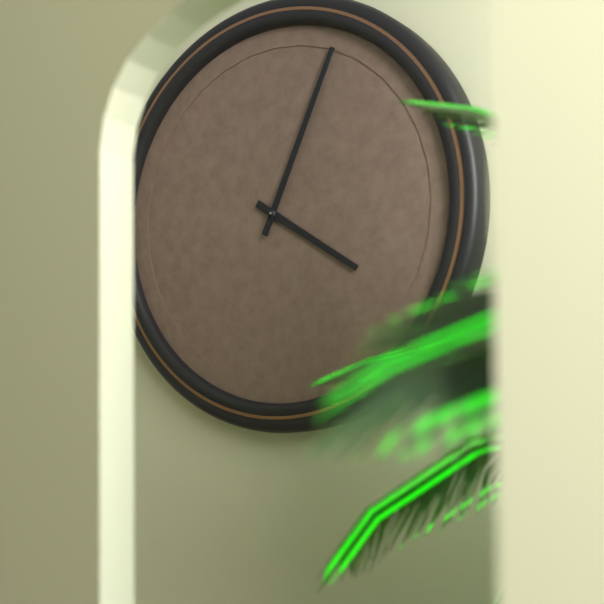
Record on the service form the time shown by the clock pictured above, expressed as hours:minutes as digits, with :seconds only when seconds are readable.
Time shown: 4:04
